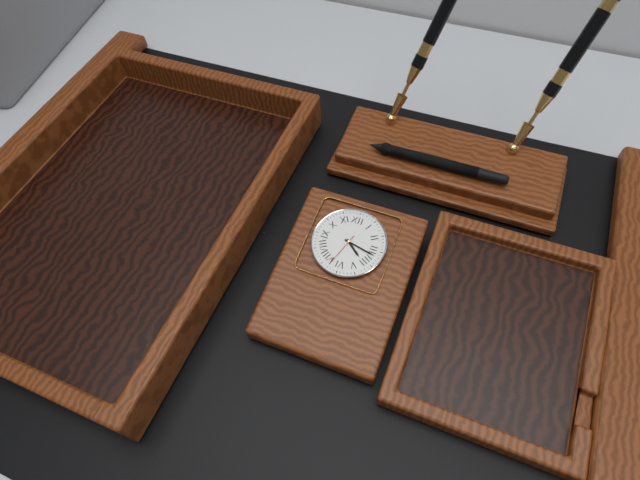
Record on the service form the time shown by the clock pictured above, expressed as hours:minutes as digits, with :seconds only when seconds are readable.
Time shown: 4:17
